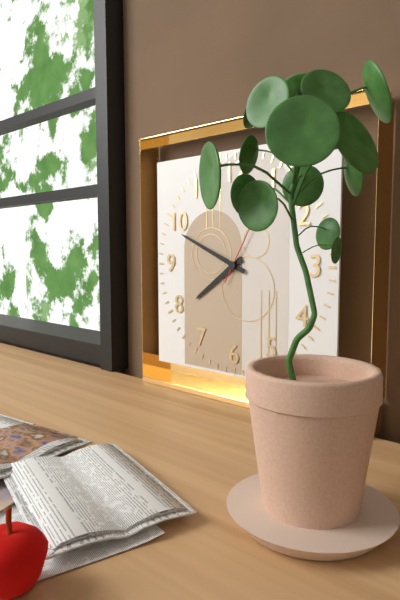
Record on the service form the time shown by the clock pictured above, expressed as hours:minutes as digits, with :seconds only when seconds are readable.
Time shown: 7:49
